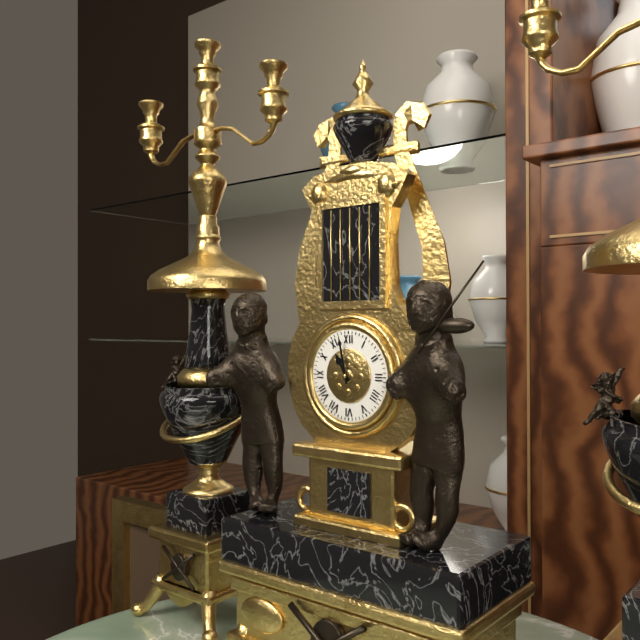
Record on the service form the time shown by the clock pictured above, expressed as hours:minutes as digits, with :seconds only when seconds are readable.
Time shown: 10:58
